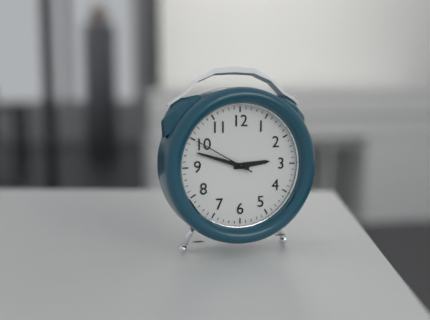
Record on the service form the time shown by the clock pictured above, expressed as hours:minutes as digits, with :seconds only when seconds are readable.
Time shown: 2:48:50
